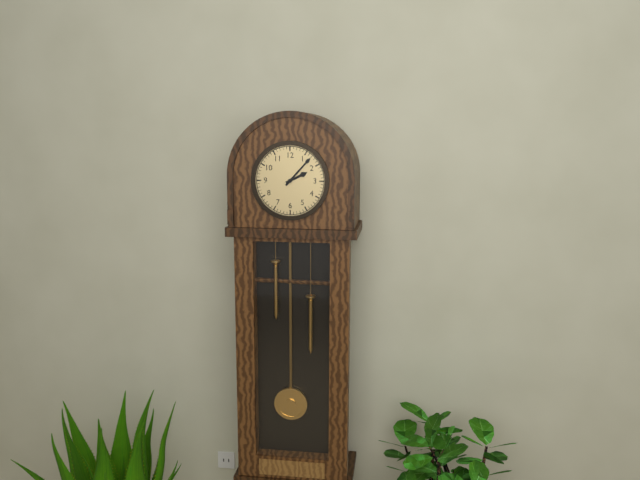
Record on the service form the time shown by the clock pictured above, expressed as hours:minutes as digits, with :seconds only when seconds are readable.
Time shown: 2:07
